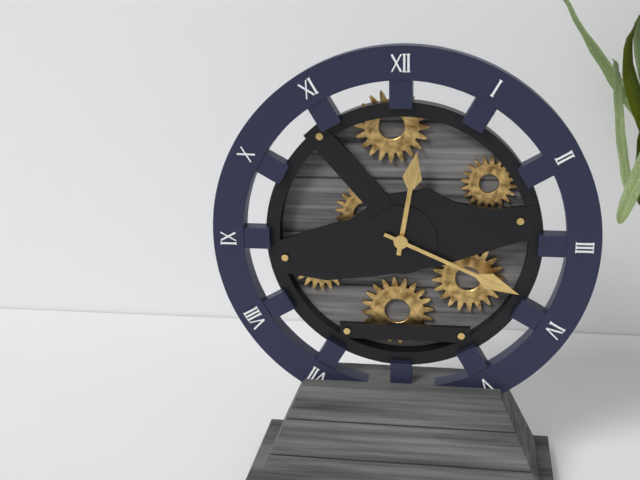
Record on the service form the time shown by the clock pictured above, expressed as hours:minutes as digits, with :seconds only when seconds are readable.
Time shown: 12:19
